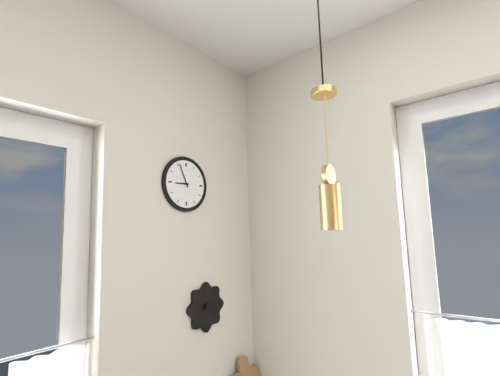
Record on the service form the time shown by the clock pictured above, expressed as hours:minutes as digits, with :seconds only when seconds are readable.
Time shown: 8:56
